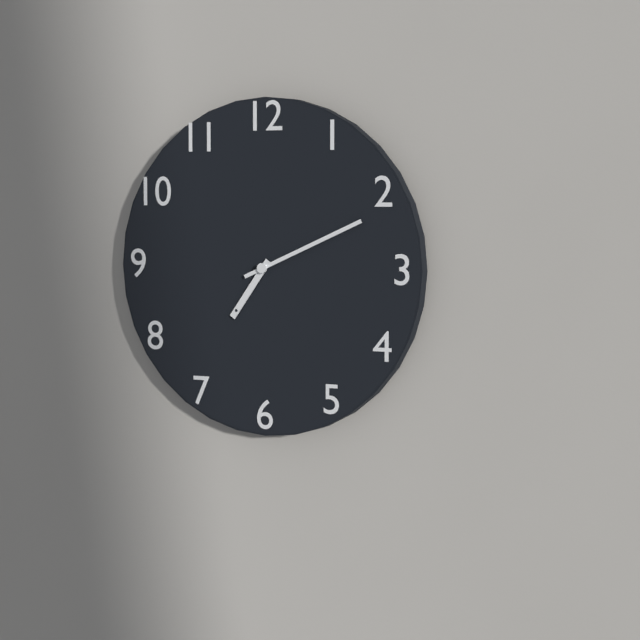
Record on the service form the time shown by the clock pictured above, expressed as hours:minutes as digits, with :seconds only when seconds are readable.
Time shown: 7:11
